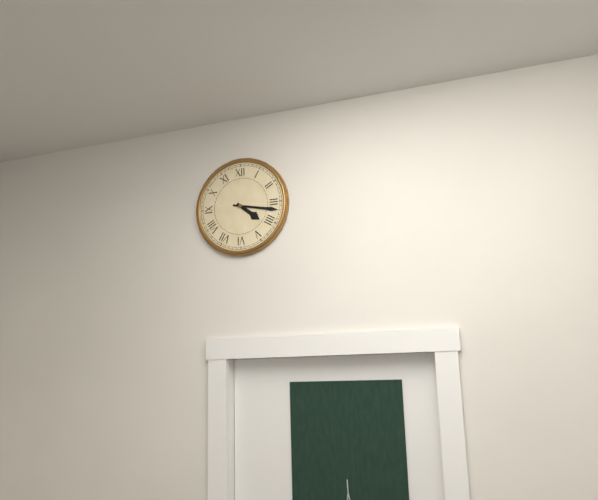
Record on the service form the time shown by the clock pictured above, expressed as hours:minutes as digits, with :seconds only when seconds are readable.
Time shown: 4:17
